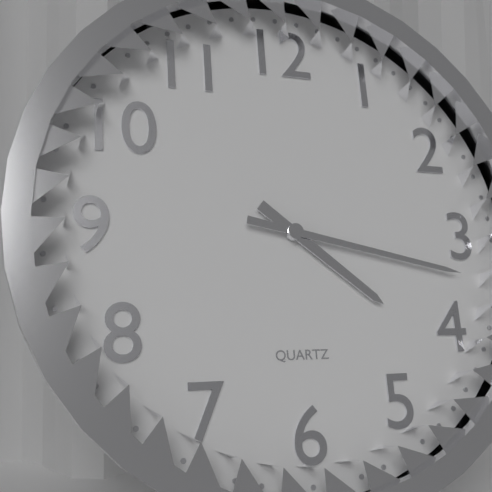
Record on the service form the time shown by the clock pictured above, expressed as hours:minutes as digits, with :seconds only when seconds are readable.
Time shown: 4:17
